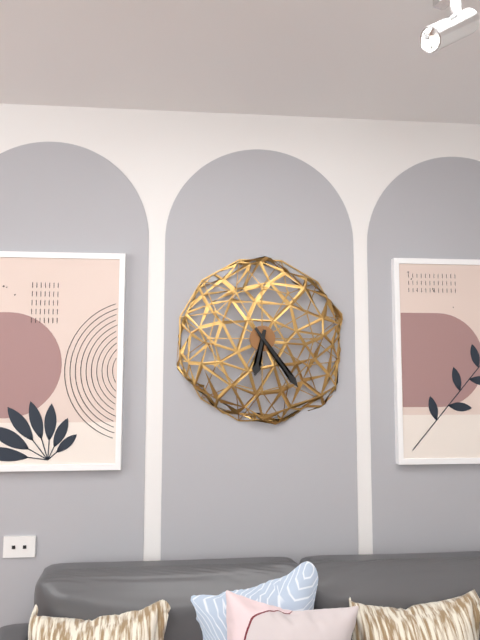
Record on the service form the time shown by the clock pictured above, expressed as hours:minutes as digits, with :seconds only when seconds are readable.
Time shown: 6:24
